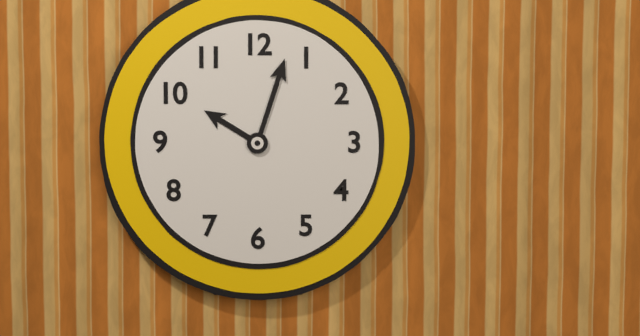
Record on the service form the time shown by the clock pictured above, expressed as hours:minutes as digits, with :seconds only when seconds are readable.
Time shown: 10:03
